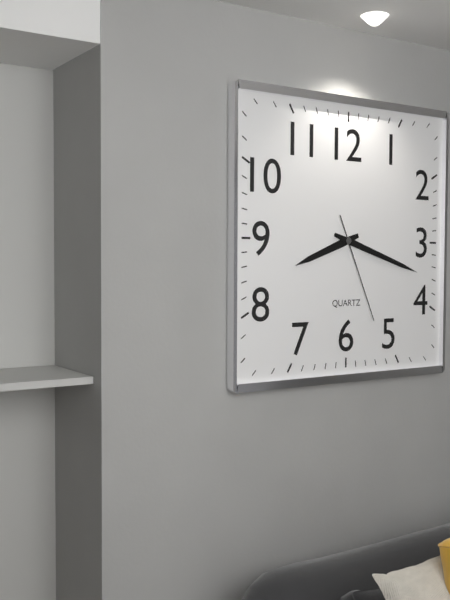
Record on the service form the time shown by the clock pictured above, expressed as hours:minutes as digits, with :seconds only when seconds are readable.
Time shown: 8:18:26
